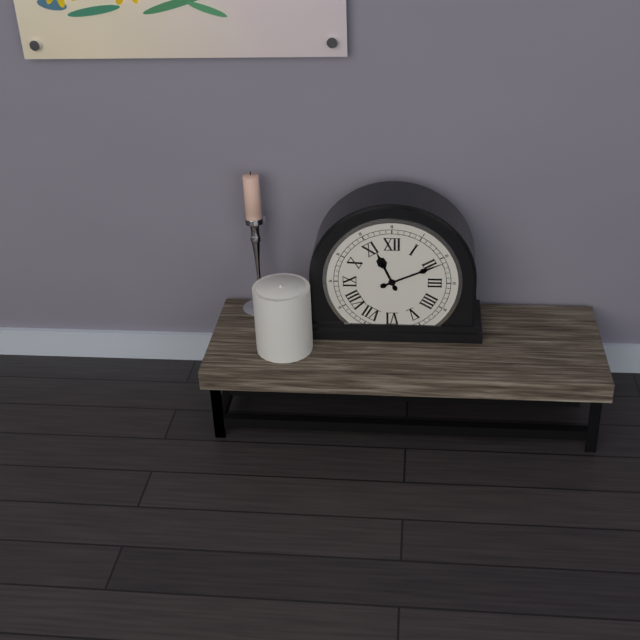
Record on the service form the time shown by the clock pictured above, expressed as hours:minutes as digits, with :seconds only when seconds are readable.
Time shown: 11:11
